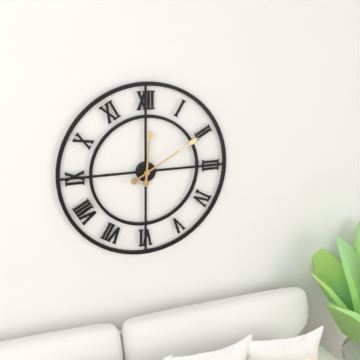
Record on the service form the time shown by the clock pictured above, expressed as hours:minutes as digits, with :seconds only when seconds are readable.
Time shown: 12:10
